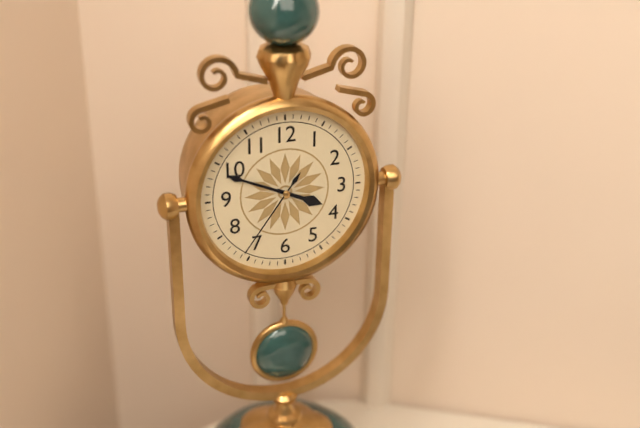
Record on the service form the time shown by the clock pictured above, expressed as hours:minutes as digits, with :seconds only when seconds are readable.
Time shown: 3:49:36
